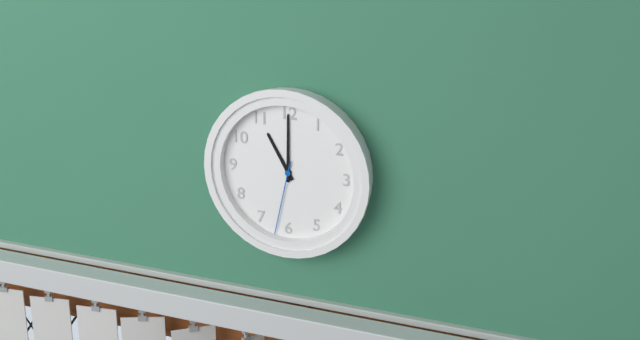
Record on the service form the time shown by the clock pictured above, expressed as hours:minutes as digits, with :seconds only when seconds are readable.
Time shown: 11:00:32
